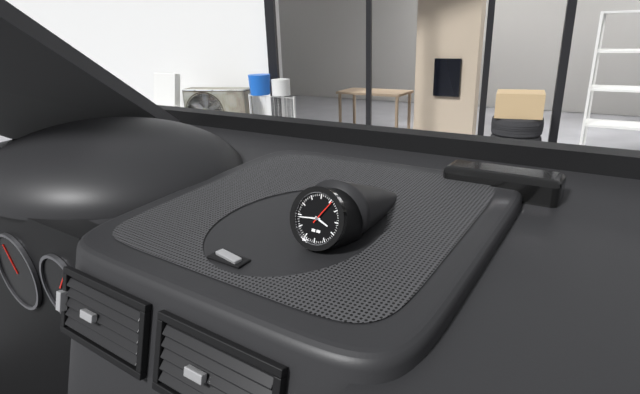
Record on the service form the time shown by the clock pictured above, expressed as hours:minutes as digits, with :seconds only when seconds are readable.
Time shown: 3:44
